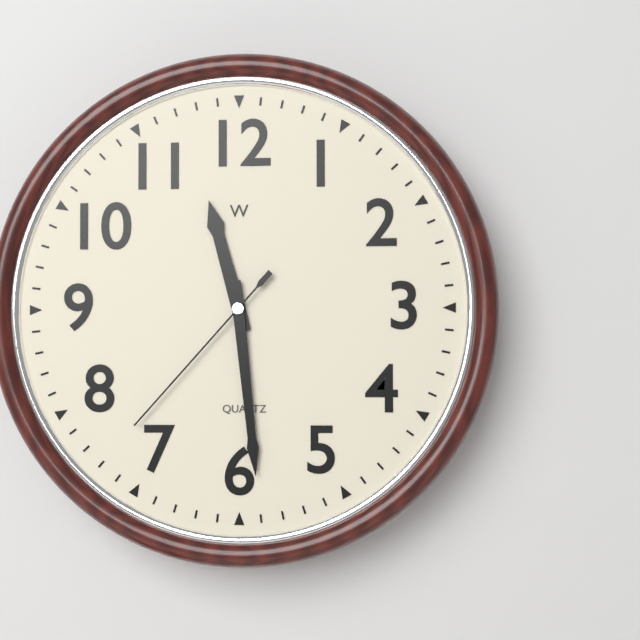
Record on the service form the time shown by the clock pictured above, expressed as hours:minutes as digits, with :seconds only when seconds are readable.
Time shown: 11:29:37
